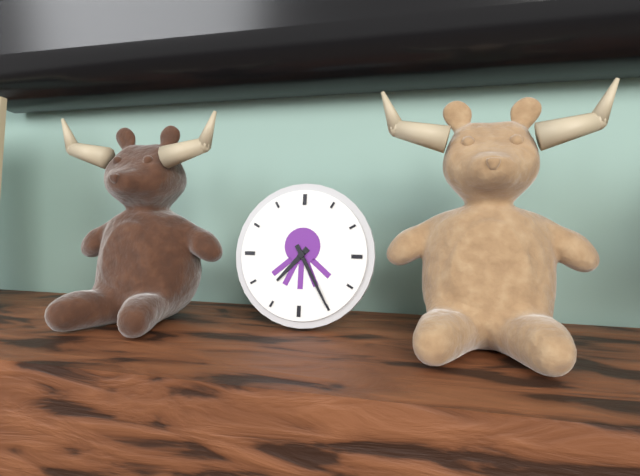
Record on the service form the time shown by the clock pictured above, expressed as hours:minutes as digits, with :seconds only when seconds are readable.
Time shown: 7:25
